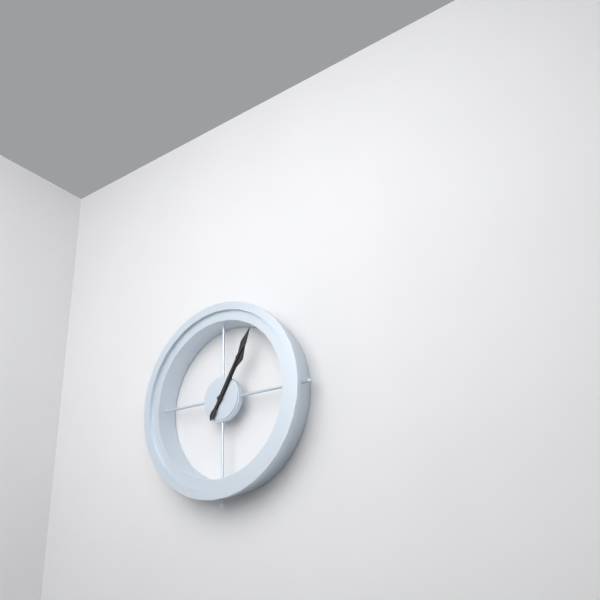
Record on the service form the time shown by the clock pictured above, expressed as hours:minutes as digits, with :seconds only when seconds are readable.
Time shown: 1:05
